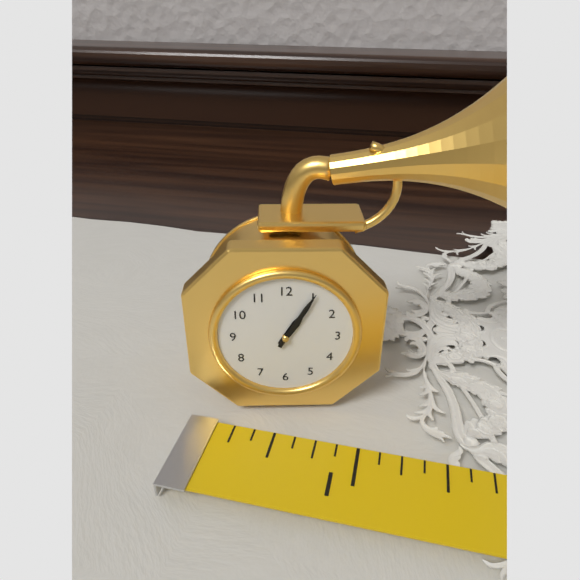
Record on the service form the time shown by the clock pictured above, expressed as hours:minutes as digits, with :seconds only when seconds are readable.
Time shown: 1:05
